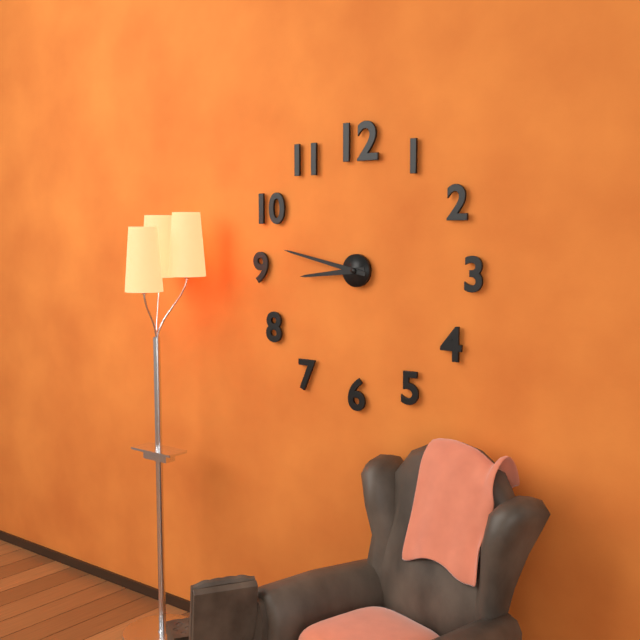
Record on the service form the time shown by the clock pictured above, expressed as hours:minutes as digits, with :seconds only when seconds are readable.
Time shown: 8:47
